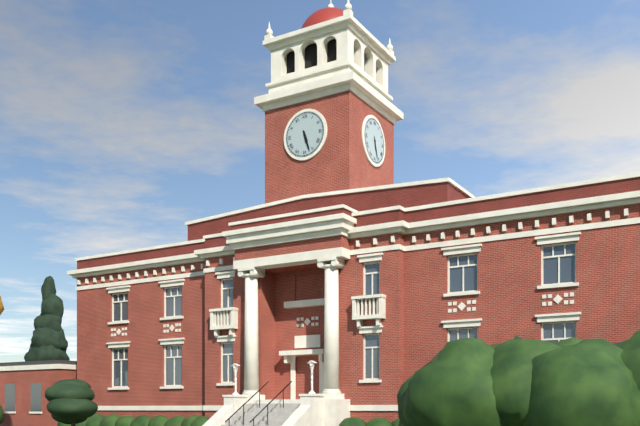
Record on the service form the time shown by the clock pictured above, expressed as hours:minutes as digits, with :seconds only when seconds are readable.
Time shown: 5:27
